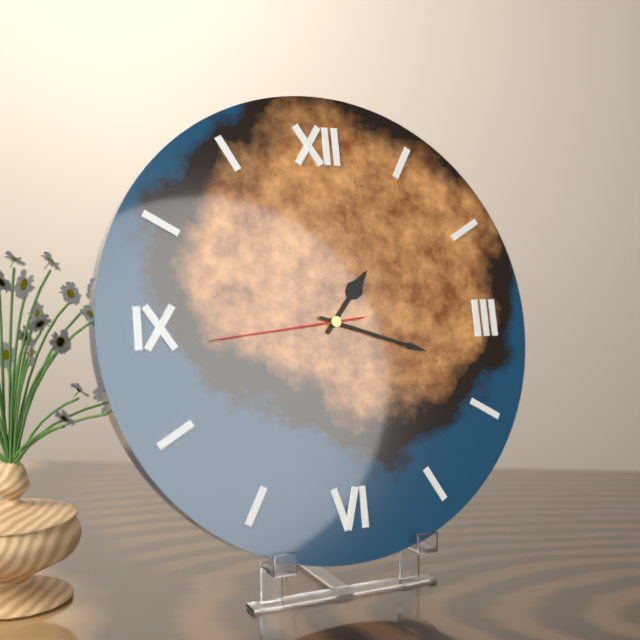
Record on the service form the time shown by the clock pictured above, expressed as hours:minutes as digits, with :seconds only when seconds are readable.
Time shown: 1:18:44
